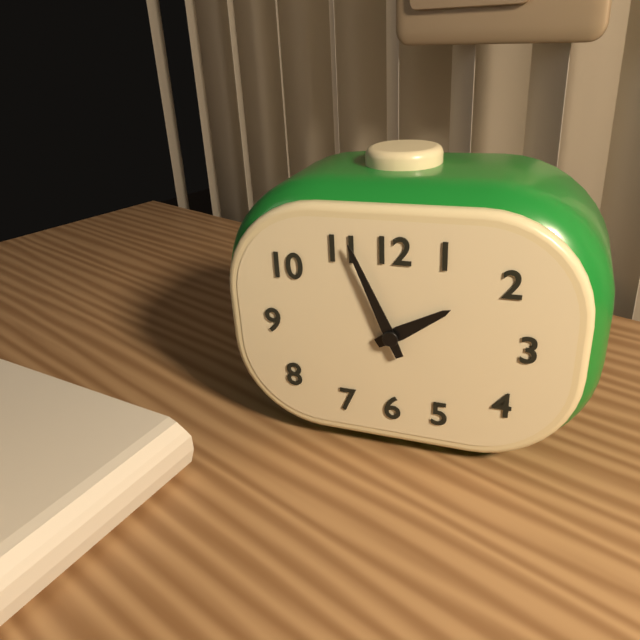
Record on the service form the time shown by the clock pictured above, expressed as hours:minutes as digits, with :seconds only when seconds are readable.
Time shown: 1:56
